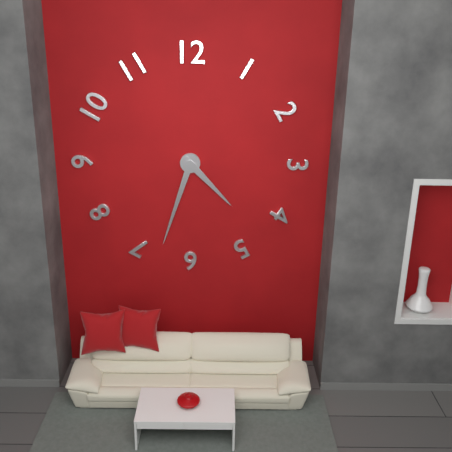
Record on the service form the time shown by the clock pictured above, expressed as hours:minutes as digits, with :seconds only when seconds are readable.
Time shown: 4:33
